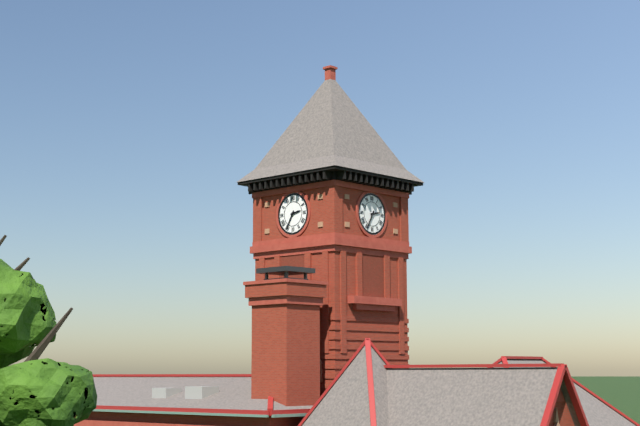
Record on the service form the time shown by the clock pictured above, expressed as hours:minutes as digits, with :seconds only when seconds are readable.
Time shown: 2:35
